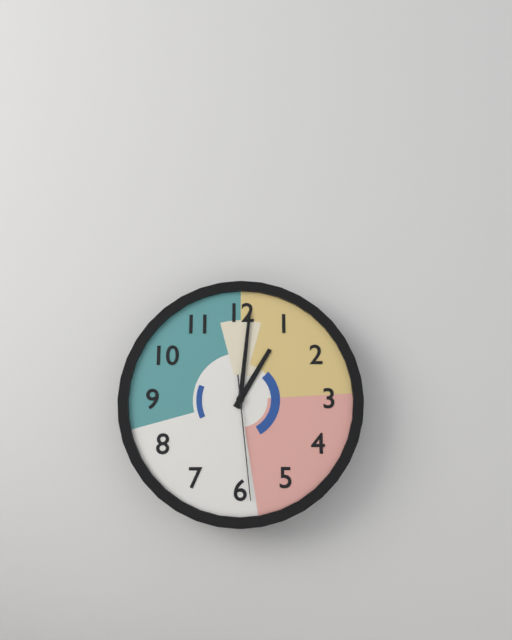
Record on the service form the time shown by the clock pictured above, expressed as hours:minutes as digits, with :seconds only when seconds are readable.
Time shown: 1:01:29
